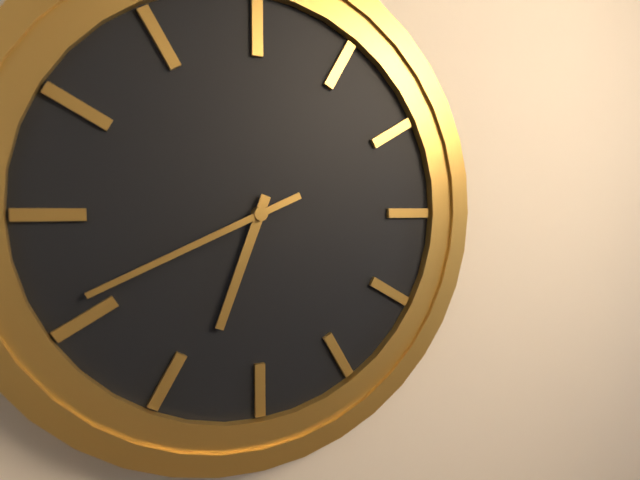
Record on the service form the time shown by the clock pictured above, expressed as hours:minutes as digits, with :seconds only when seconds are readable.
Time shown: 6:41
